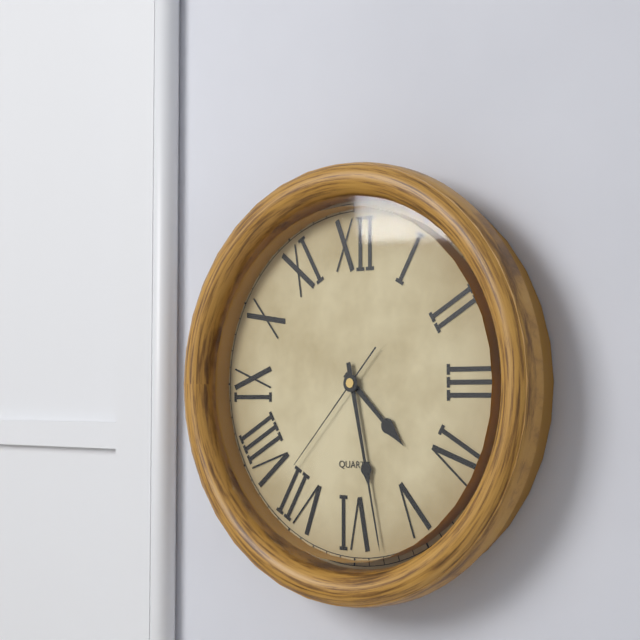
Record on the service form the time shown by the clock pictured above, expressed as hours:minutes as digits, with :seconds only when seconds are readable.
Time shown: 4:28:37
